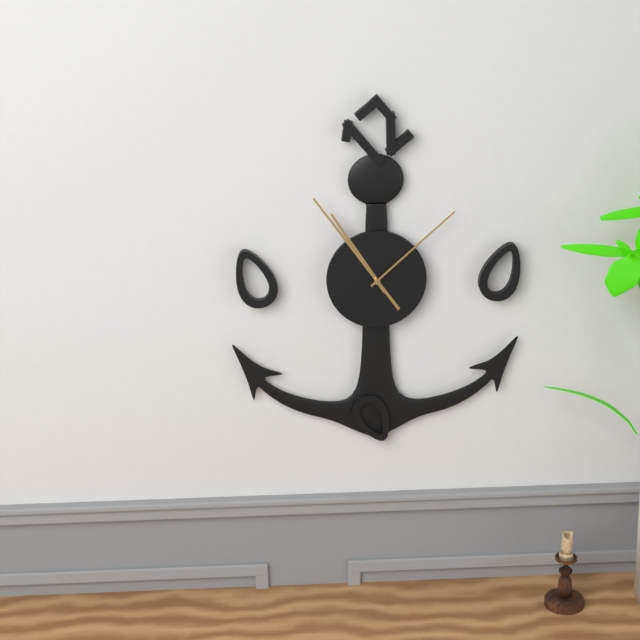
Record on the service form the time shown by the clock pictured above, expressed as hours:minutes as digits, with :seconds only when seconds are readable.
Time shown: 10:54:08
